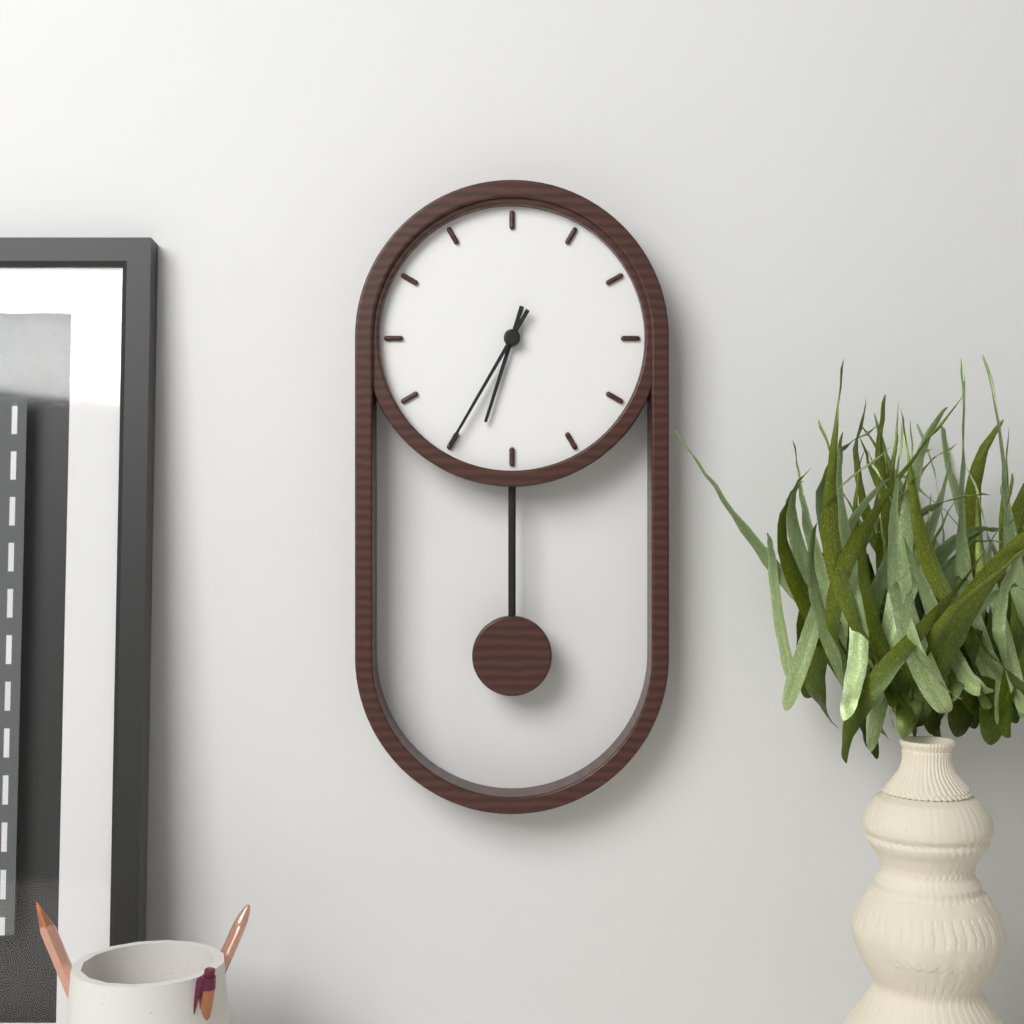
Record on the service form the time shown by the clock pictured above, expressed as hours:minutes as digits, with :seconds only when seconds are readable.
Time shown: 6:35
